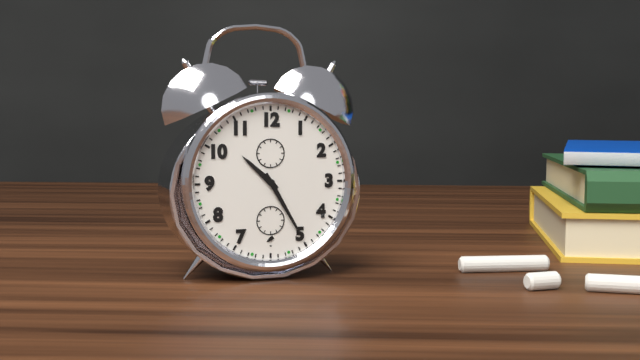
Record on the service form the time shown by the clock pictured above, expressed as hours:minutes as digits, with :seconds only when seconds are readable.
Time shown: 10:25
